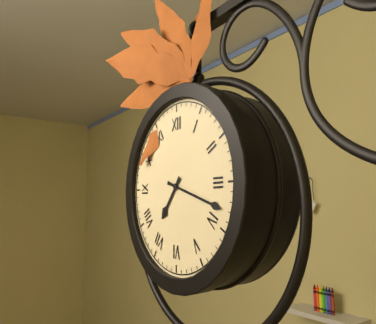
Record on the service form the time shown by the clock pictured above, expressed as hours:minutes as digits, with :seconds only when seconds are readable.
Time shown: 7:18
